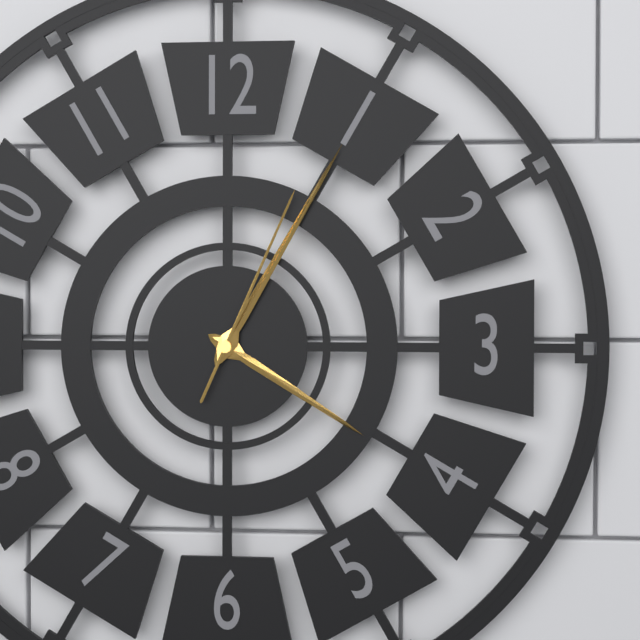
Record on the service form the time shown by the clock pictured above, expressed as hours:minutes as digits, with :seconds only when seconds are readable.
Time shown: 4:05:04
